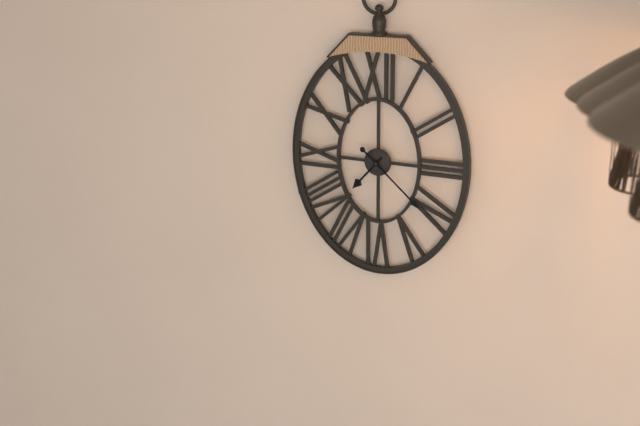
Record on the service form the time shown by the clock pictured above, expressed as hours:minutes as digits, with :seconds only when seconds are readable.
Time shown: 7:22
